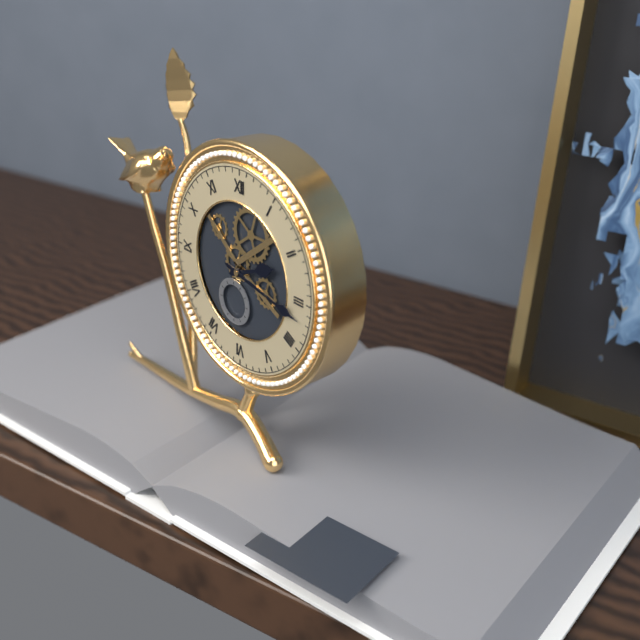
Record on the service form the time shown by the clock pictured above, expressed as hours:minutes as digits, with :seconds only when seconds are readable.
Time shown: 2:17
